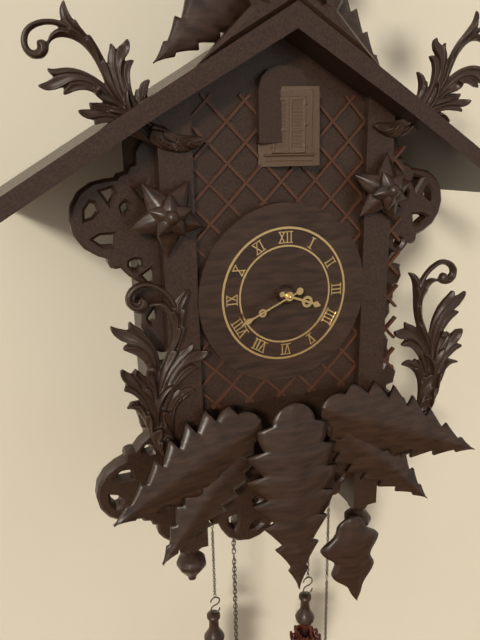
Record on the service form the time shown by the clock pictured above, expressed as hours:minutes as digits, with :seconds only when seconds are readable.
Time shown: 3:41
